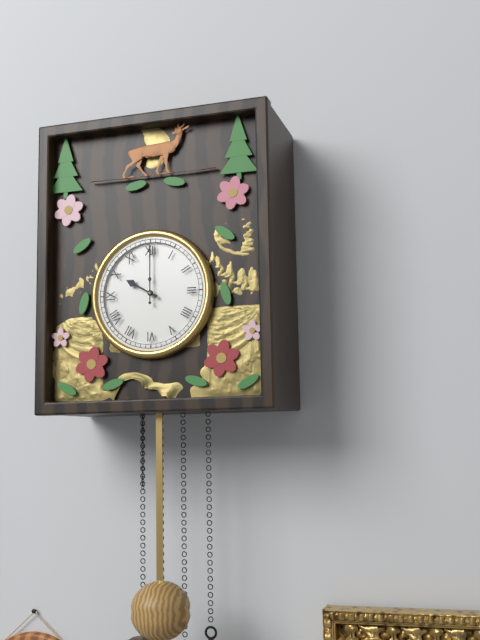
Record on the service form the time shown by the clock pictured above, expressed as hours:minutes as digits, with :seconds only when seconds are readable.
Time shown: 10:00
